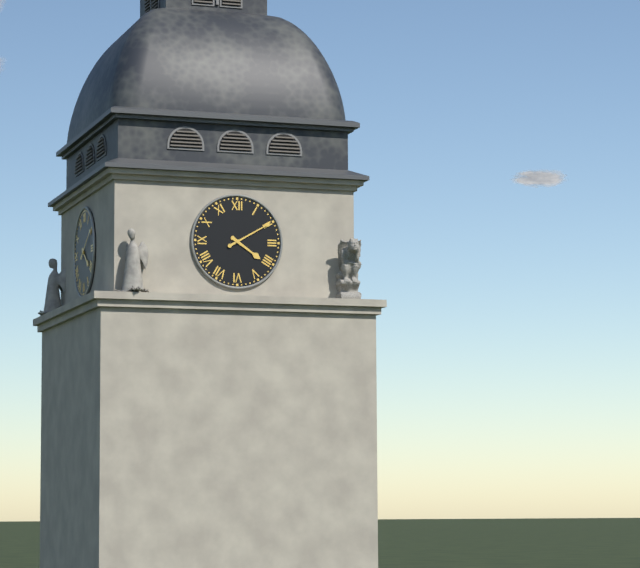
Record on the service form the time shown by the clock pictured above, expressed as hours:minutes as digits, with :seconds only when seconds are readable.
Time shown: 4:10
